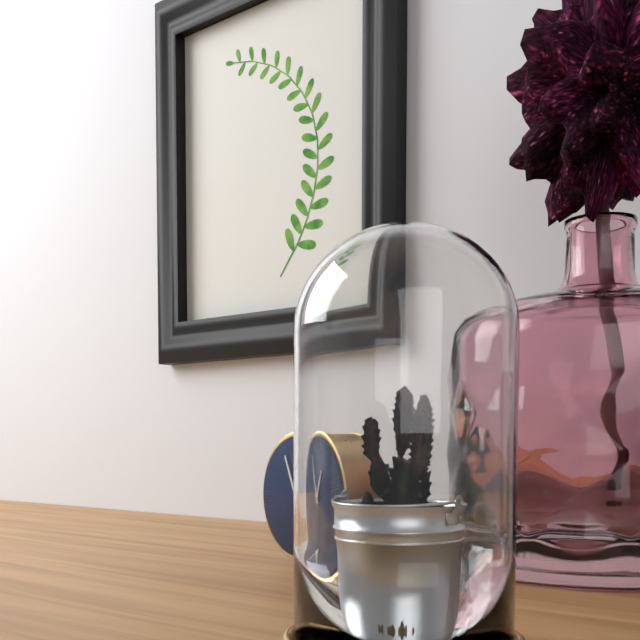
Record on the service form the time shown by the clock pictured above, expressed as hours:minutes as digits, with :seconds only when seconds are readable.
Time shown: 12:56
